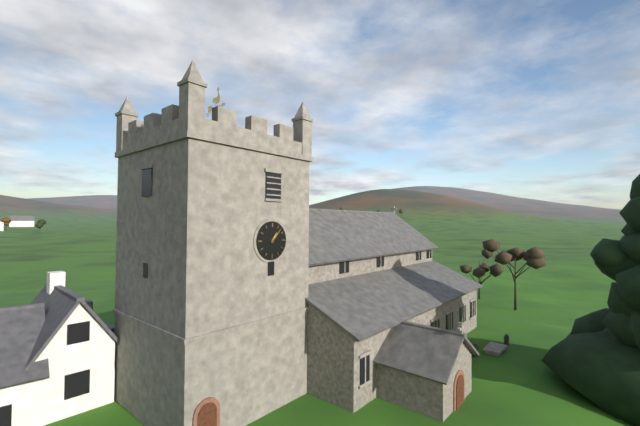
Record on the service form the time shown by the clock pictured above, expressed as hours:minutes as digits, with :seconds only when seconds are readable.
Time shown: 1:07
